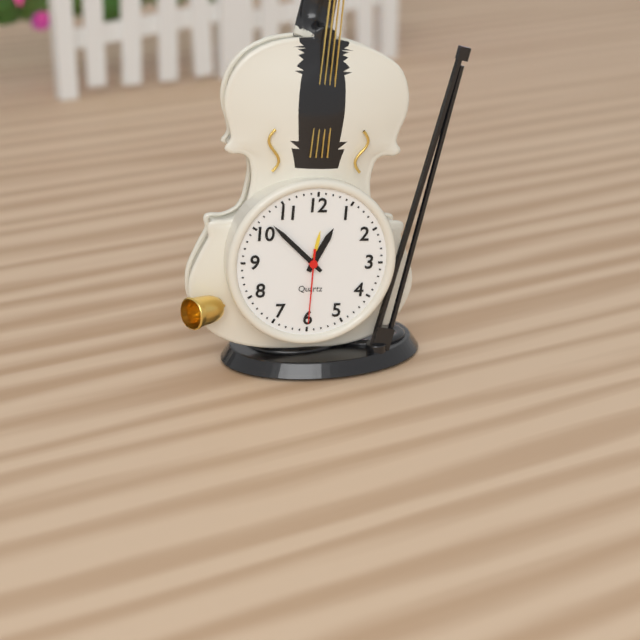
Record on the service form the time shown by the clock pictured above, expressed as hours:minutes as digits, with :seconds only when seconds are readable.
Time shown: 12:52:30
